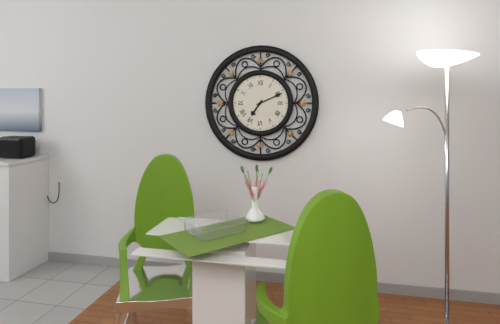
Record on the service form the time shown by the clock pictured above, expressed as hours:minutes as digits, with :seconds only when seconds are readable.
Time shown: 7:11
